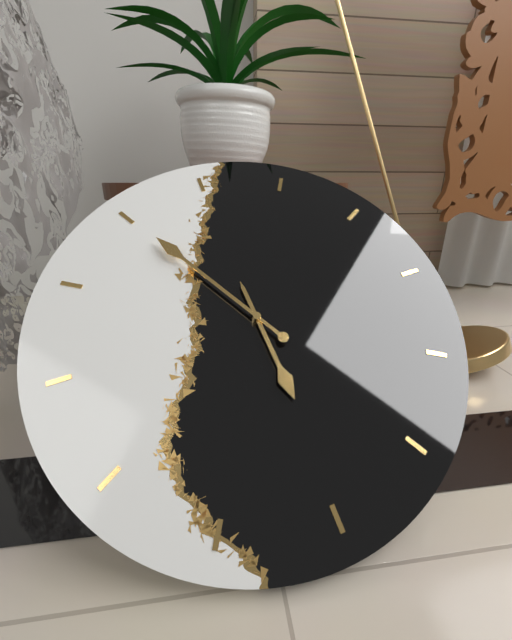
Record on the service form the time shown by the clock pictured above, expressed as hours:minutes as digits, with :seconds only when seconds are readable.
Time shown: 5:55
